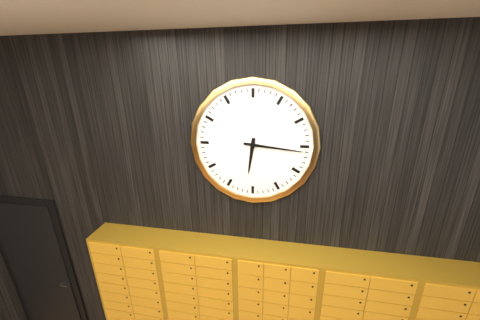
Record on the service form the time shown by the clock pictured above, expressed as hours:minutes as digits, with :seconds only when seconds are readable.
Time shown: 6:16
